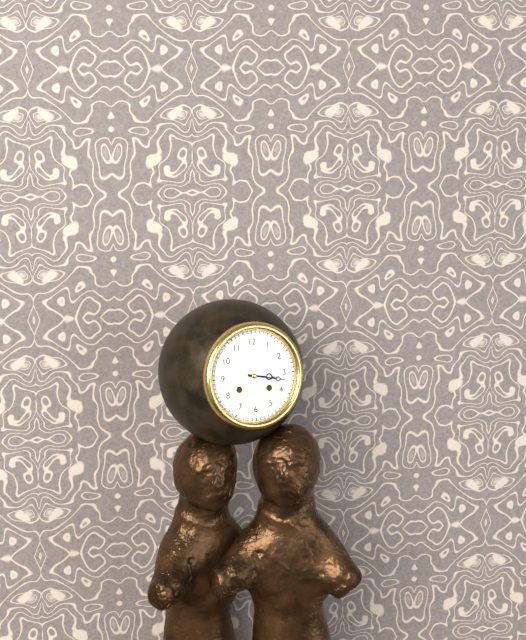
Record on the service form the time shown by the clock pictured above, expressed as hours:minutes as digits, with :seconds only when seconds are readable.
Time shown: 3:17
